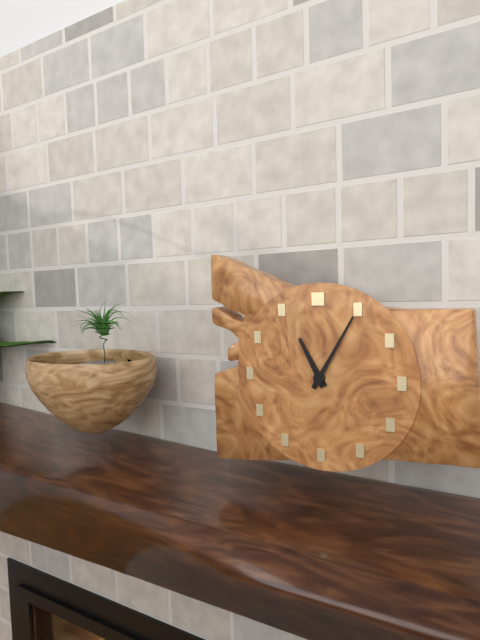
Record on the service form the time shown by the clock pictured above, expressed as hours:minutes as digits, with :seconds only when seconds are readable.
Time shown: 11:05
